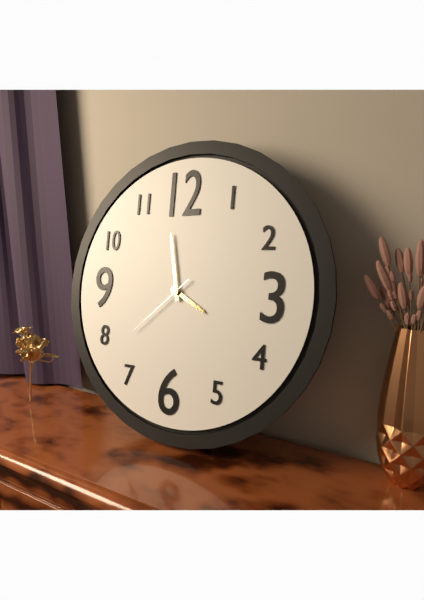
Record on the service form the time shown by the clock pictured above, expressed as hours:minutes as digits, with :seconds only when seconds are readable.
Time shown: 3:58:38
